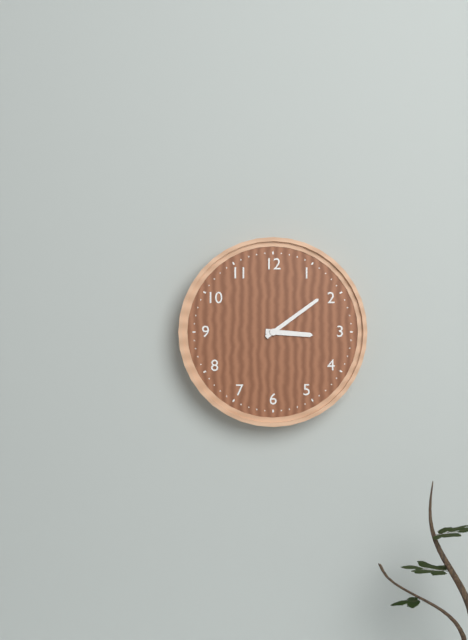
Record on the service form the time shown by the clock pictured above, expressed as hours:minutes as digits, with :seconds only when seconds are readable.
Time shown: 3:09
